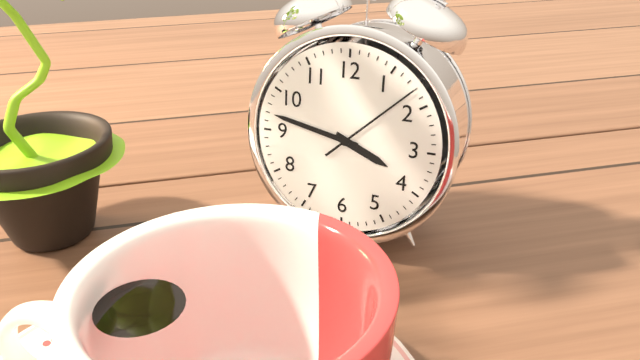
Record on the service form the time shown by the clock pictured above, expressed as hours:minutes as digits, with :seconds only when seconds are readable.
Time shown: 3:47:08
